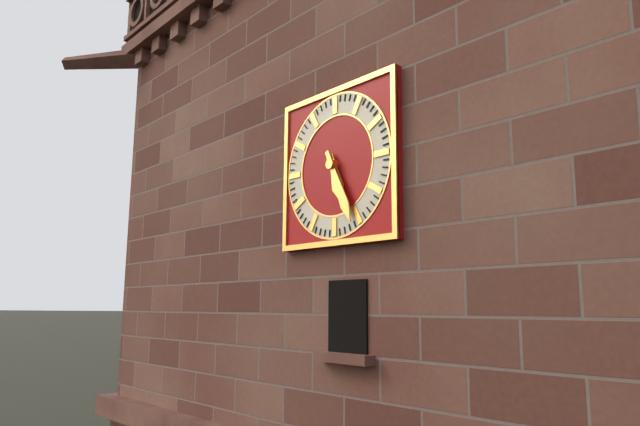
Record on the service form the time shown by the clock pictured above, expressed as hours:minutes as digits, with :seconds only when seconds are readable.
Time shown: 5:26
